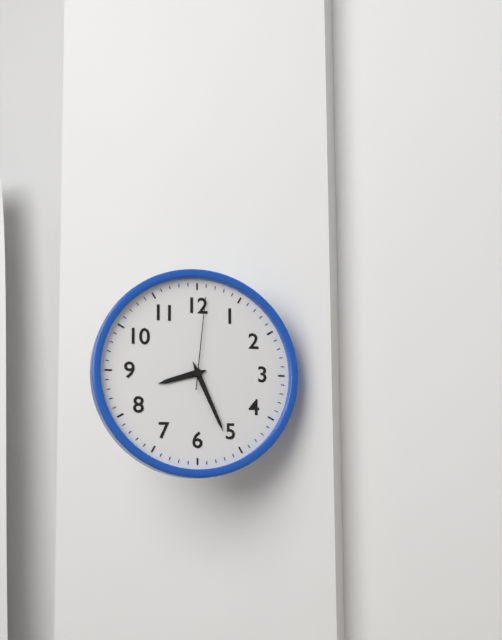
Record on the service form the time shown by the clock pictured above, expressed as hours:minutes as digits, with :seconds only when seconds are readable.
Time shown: 8:26:01
